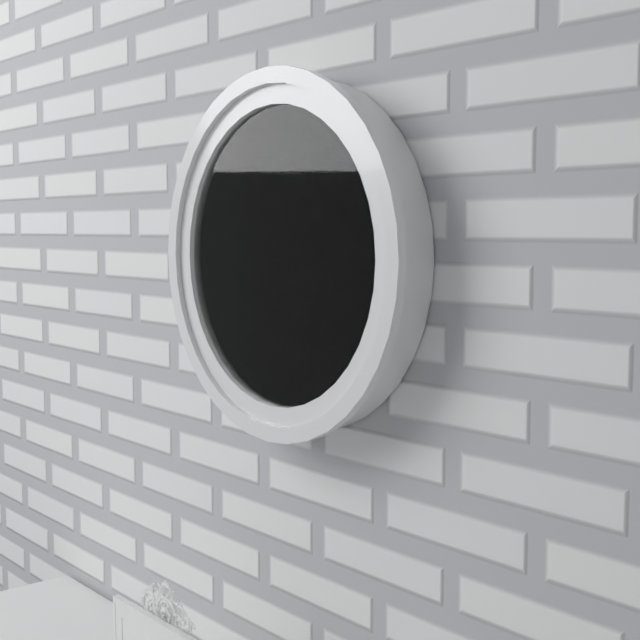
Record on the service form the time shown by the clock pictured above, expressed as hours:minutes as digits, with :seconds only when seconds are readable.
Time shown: 6:32:11
